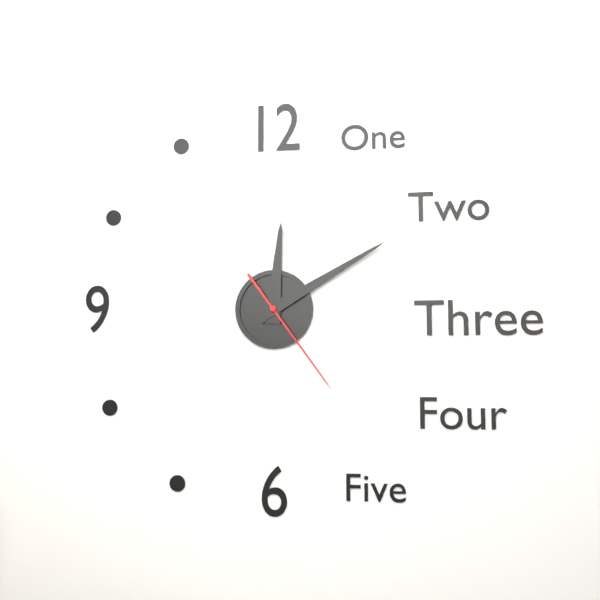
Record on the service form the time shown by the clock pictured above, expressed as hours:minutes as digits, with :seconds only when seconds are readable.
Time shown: 12:10:24
